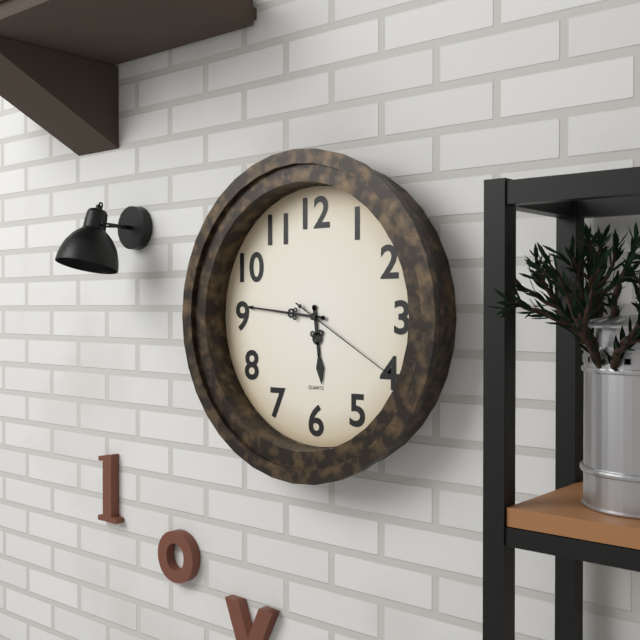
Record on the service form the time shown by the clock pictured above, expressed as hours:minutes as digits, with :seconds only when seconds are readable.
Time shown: 5:46:20
